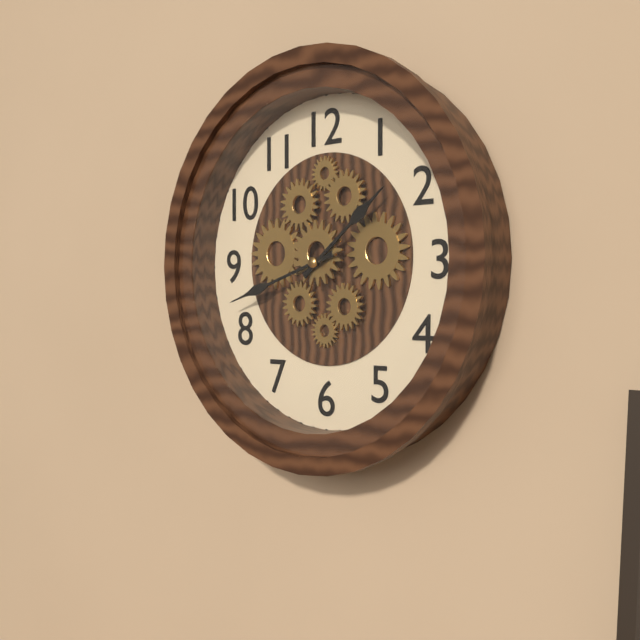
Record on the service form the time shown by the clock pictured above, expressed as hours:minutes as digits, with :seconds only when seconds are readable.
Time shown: 1:42
